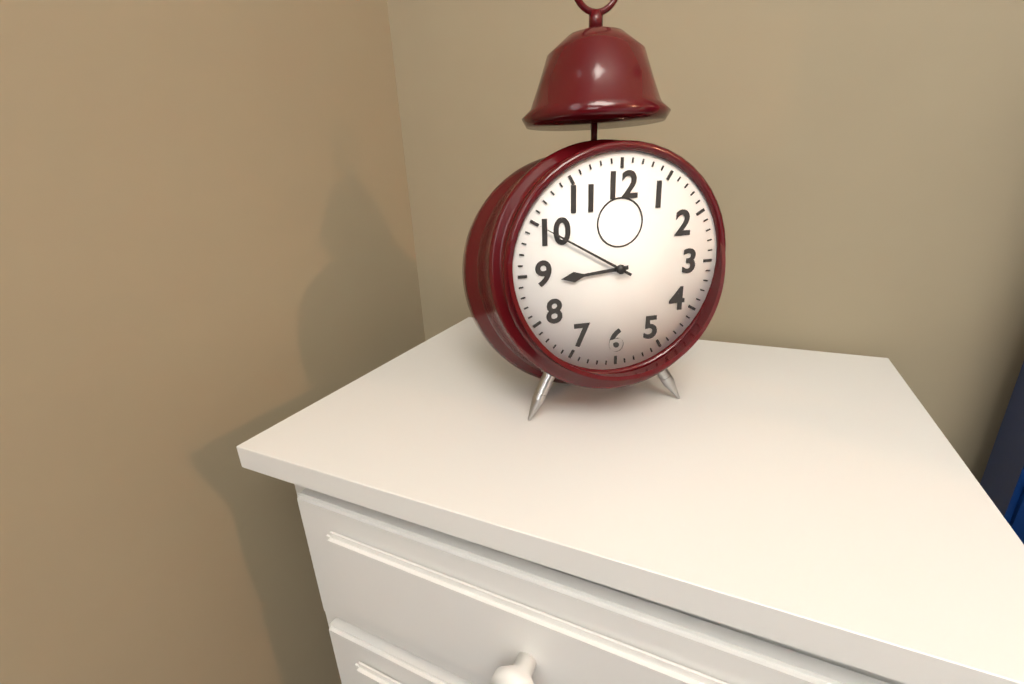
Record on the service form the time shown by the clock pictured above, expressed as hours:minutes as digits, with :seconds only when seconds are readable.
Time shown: 8:50
